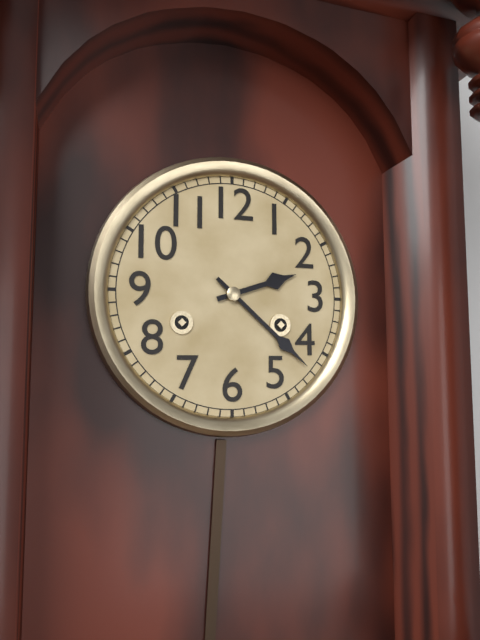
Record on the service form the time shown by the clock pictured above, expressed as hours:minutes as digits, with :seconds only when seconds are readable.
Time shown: 2:22
